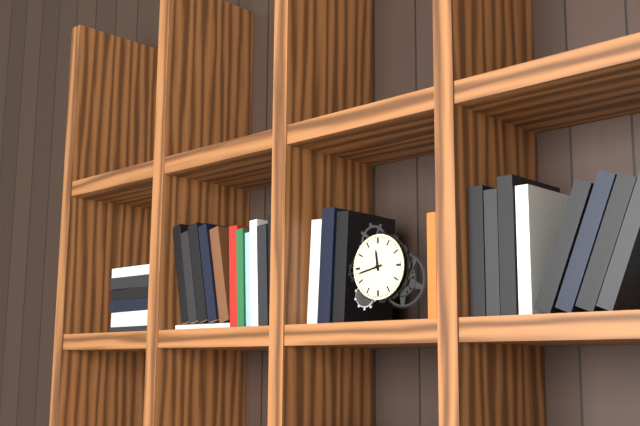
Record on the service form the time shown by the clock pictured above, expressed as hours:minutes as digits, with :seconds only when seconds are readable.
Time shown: 11:43
